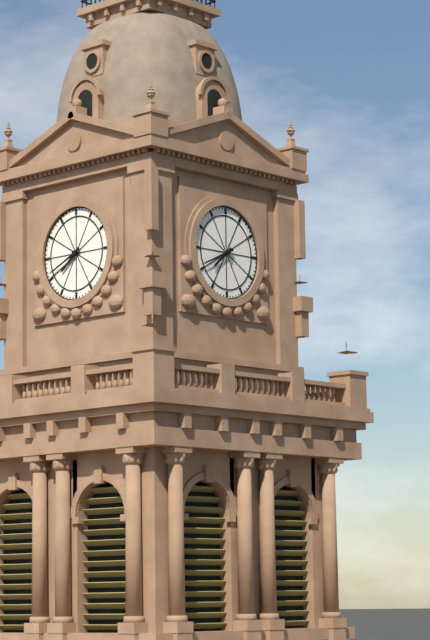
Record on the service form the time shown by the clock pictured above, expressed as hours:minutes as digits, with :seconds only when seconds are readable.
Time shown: 7:41
